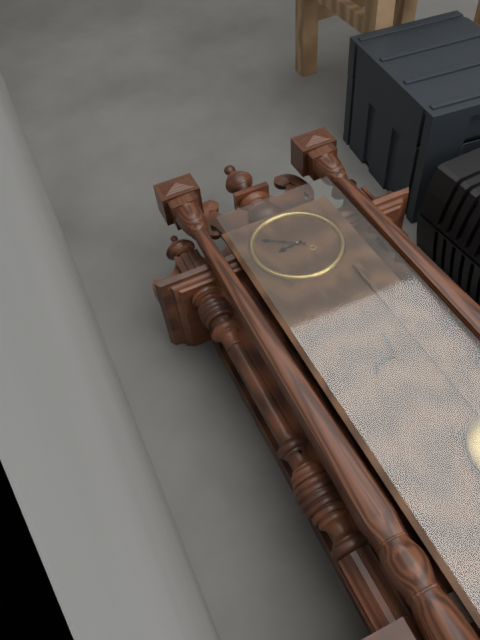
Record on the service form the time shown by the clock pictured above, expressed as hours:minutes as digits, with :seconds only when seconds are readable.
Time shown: 8:51
